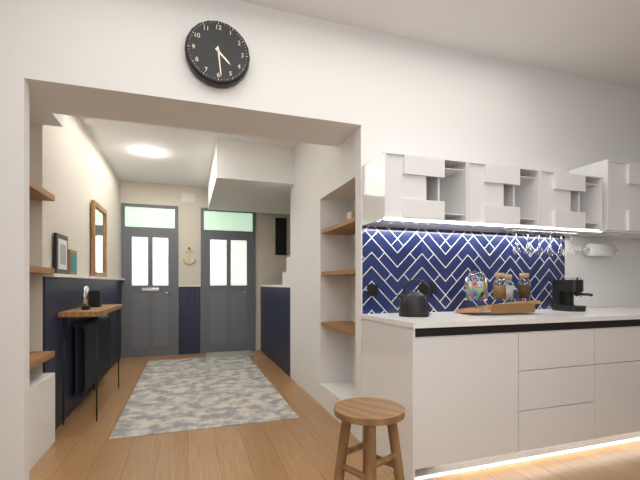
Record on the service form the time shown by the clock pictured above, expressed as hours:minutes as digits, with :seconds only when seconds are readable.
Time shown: 4:29
